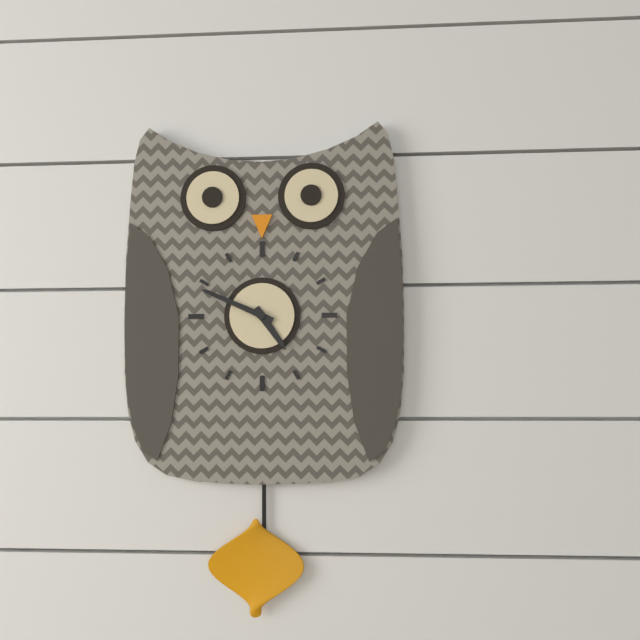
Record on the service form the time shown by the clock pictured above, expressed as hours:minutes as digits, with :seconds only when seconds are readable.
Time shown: 4:49
